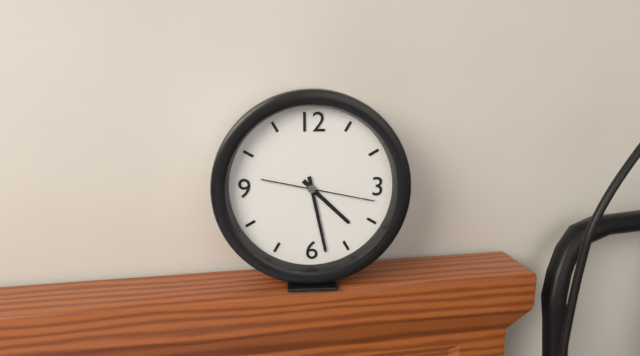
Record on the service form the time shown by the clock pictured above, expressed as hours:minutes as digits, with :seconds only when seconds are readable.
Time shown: 4:28:17
